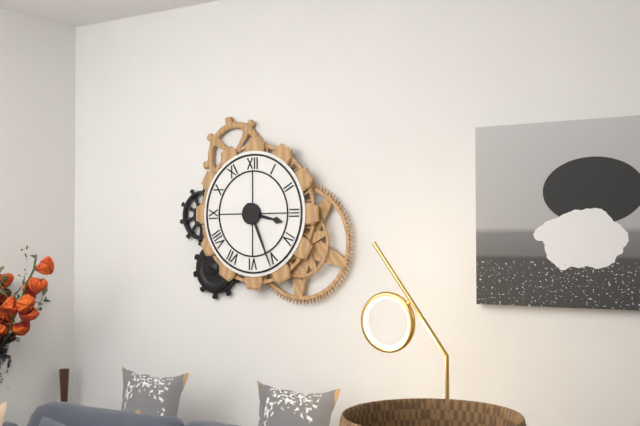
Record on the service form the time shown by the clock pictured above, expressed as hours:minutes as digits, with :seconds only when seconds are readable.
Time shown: 3:26
